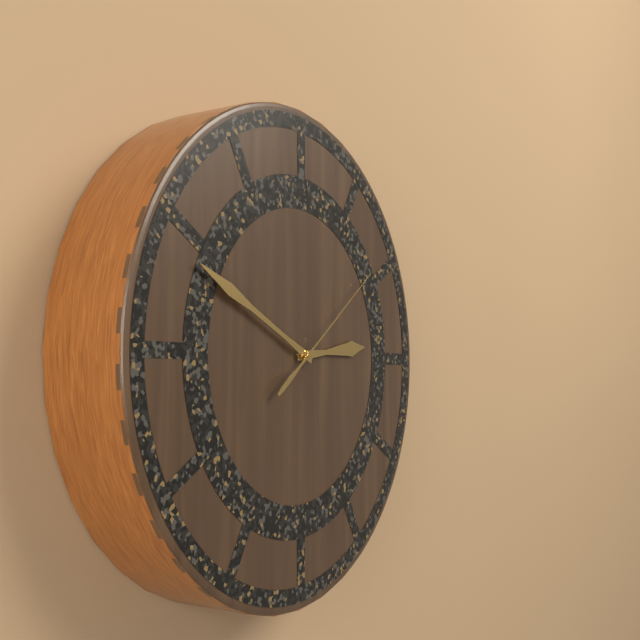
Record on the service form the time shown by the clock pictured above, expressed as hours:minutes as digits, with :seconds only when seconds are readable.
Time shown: 2:49:09
